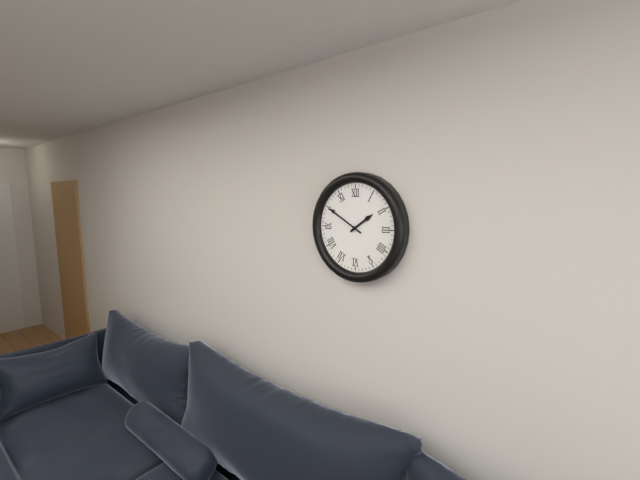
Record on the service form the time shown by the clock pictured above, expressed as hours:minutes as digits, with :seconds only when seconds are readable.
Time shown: 1:50
